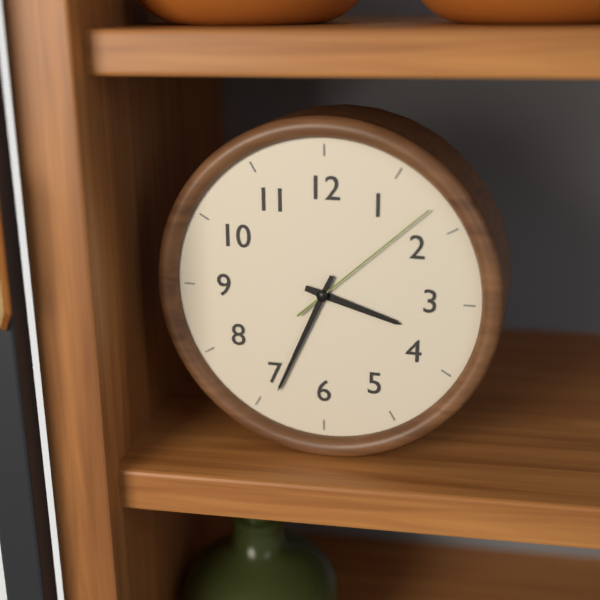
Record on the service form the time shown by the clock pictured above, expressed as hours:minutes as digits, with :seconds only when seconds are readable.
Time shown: 3:34:08
